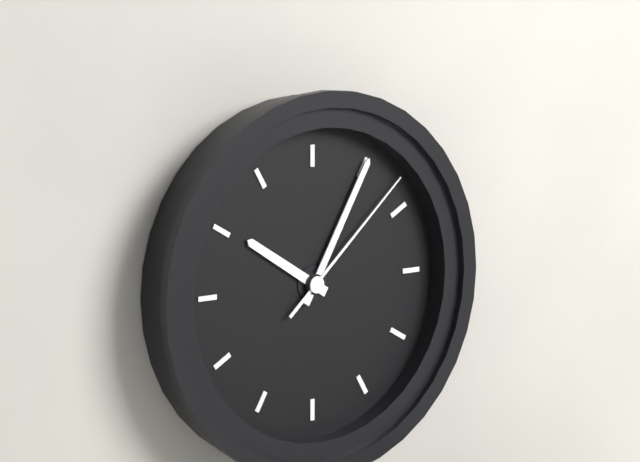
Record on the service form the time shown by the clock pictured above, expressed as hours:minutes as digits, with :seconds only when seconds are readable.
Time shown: 10:05:08
